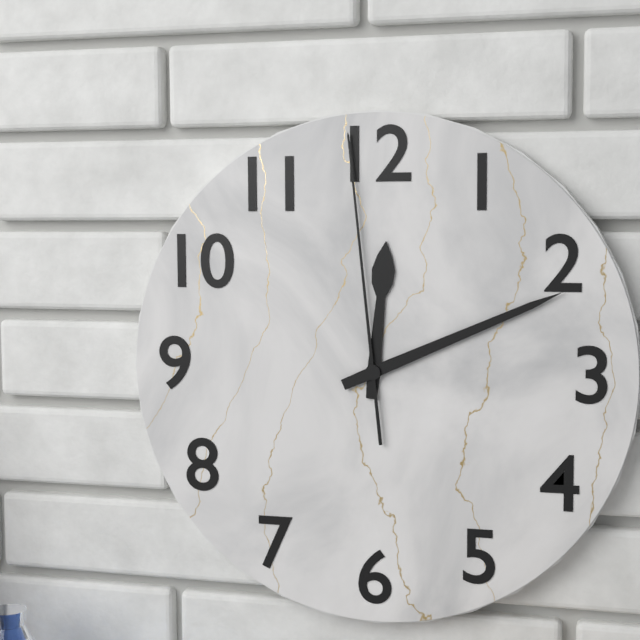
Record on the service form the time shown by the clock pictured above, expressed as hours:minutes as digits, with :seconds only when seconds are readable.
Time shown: 12:11:59
